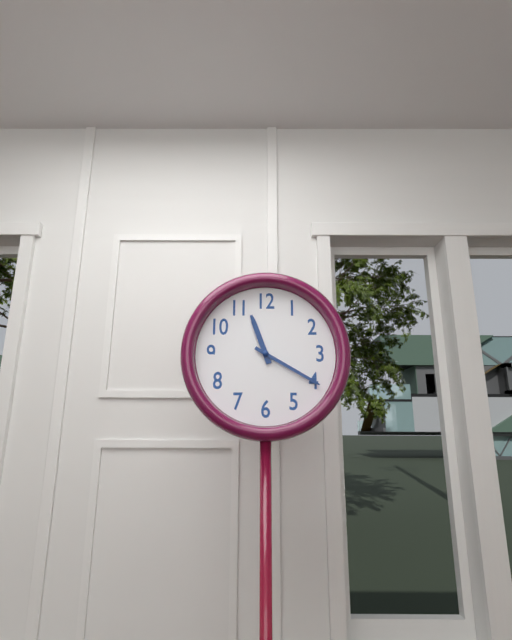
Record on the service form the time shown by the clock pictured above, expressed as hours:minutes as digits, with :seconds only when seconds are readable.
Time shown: 11:20
